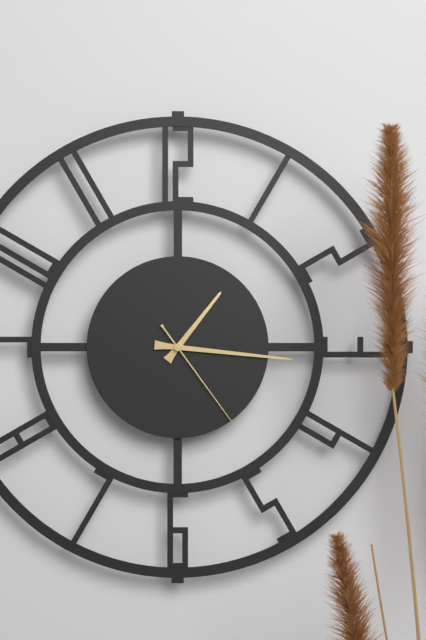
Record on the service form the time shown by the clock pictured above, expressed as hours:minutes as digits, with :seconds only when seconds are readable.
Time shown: 1:16:24
